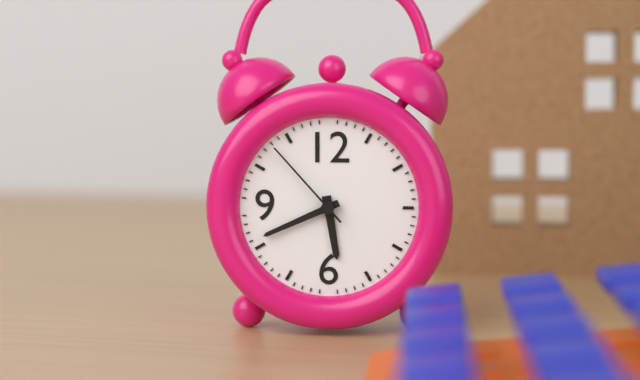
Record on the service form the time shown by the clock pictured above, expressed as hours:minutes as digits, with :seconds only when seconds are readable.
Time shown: 5:41:53
